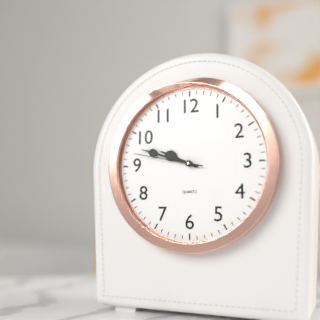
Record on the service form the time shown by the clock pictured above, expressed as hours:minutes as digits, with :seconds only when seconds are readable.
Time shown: 9:48:47
